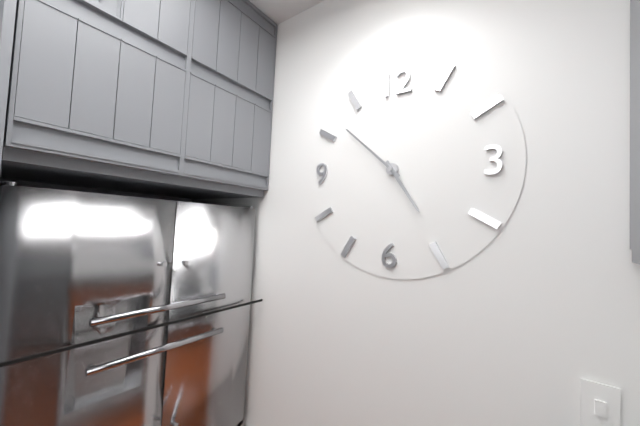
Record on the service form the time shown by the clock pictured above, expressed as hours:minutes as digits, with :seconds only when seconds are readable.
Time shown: 4:52
